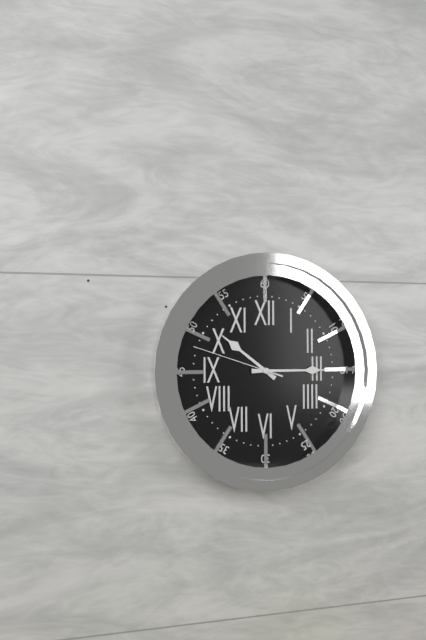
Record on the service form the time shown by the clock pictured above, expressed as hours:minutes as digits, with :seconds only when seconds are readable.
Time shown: 10:15:48
